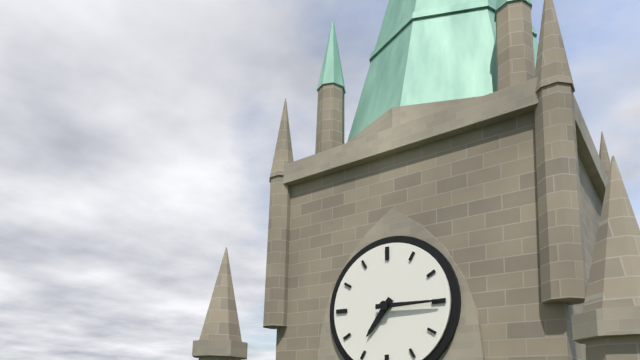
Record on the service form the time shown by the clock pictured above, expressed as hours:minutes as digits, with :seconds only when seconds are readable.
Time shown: 7:15
